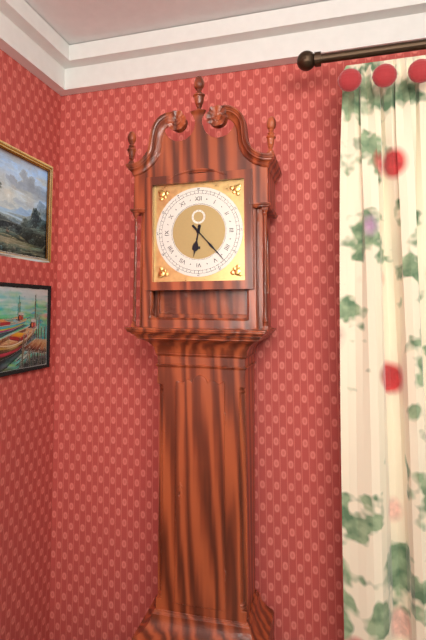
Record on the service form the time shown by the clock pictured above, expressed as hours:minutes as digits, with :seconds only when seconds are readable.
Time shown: 6:23
